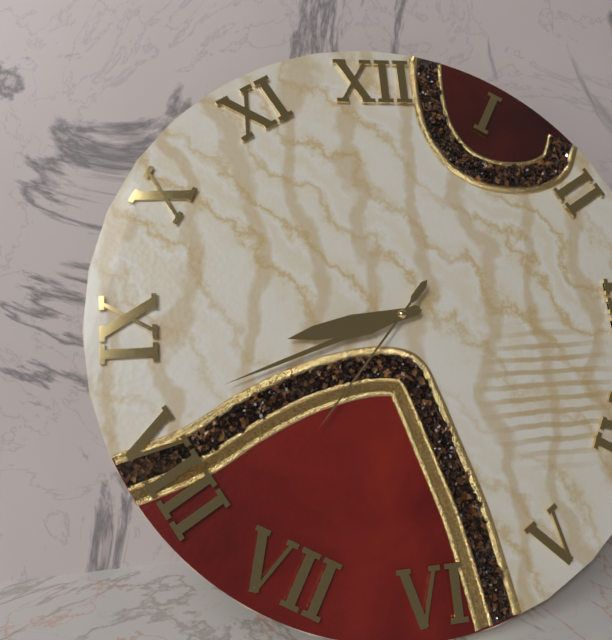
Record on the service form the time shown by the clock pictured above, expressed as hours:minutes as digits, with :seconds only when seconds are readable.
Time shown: 8:42:37
